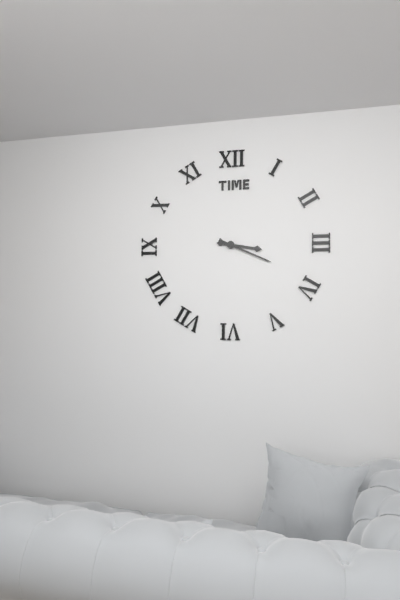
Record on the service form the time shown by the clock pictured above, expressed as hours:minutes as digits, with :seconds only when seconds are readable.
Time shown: 3:19
